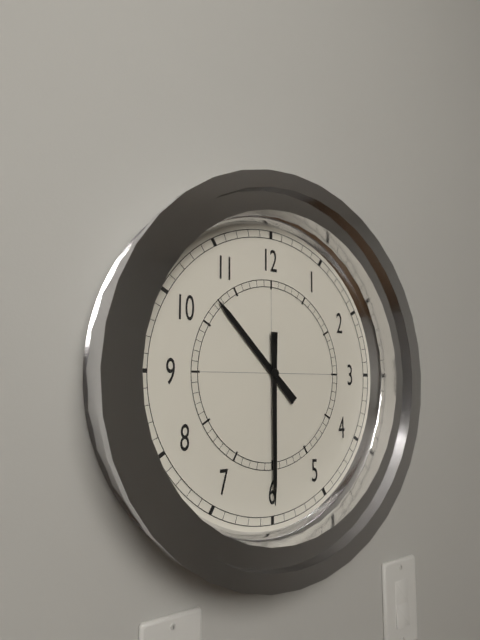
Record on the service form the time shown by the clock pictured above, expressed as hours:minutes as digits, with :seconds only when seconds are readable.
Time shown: 10:30
